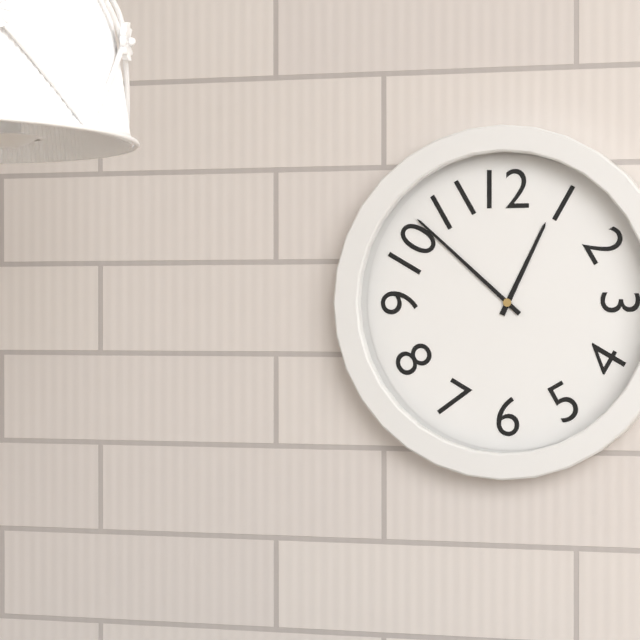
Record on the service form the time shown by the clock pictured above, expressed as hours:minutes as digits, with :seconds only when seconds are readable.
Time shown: 12:52
